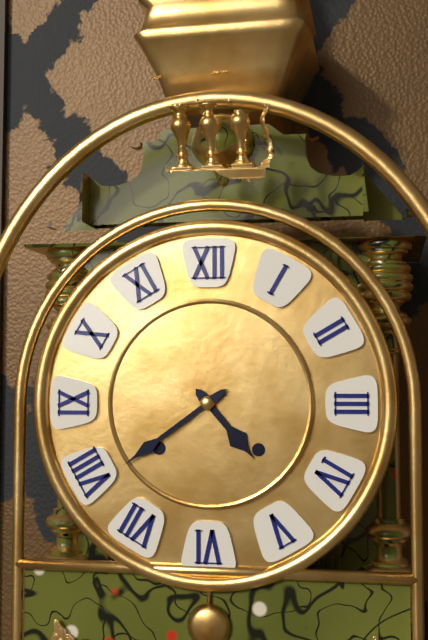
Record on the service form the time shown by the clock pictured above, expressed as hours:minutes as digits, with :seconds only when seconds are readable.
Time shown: 4:39
